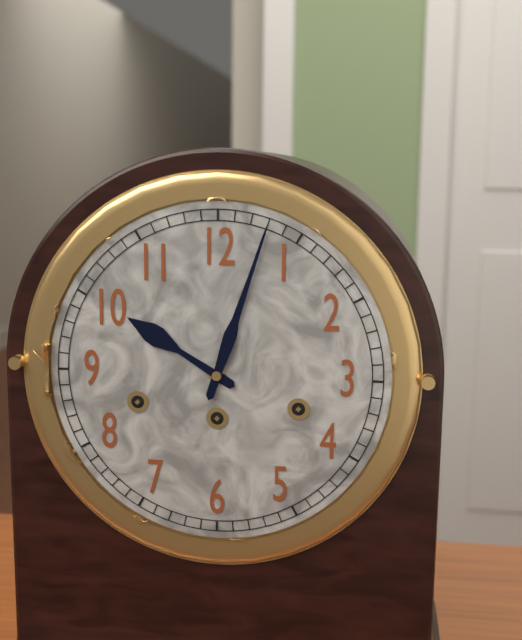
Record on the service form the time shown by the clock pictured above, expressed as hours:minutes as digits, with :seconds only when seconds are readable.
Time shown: 10:03
